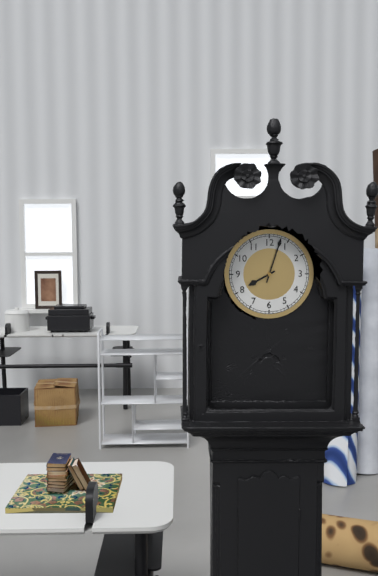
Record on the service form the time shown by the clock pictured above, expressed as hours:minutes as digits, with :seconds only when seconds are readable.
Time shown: 8:03
